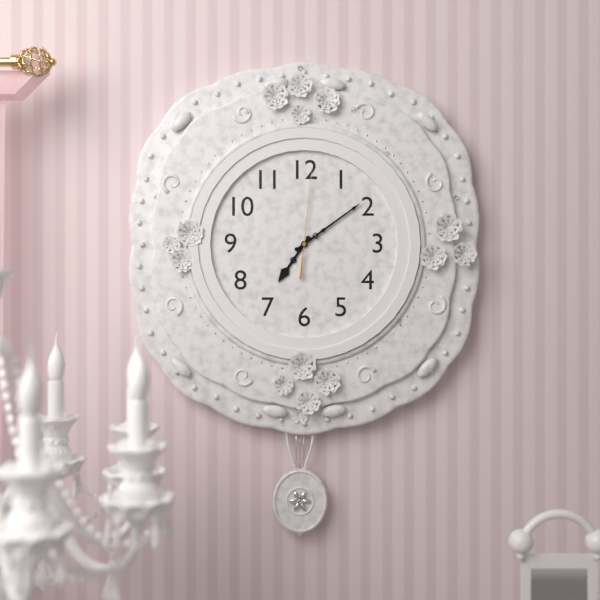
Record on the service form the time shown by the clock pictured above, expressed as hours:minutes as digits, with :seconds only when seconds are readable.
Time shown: 7:09:01
